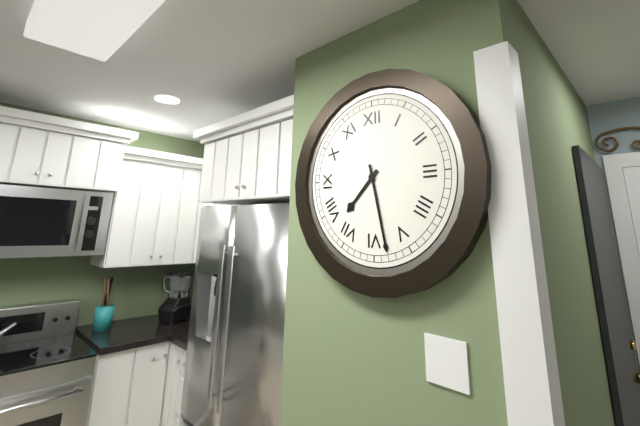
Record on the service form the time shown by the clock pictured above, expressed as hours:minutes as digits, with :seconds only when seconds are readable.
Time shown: 7:28
